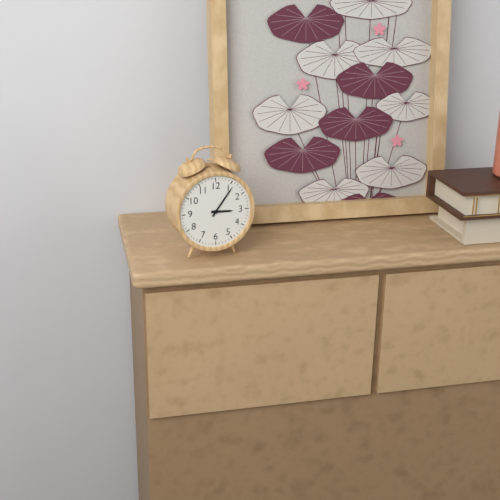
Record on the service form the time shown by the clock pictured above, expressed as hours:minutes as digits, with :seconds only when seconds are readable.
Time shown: 3:06
